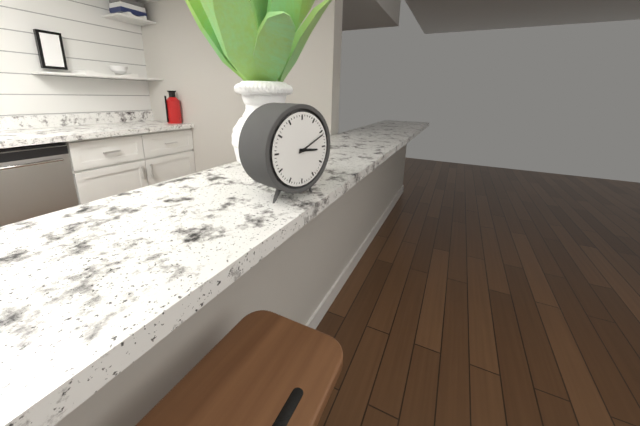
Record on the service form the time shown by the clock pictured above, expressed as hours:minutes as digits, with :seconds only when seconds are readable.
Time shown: 3:11
